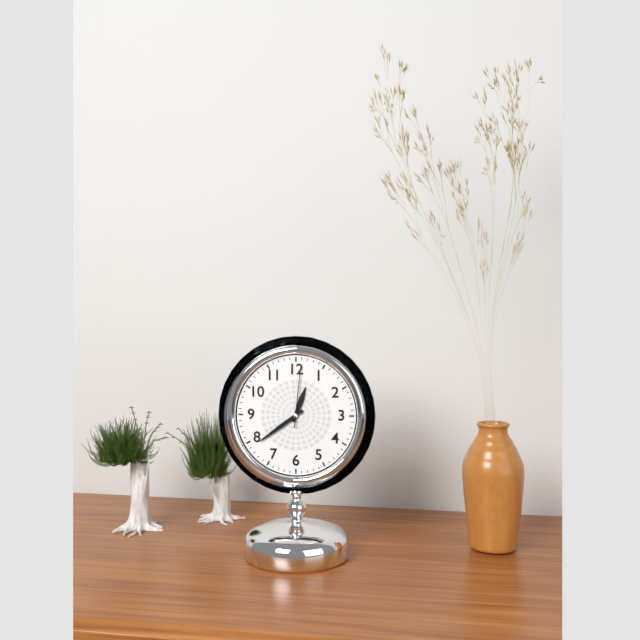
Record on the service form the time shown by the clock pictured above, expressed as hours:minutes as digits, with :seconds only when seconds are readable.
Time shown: 12:39:01
